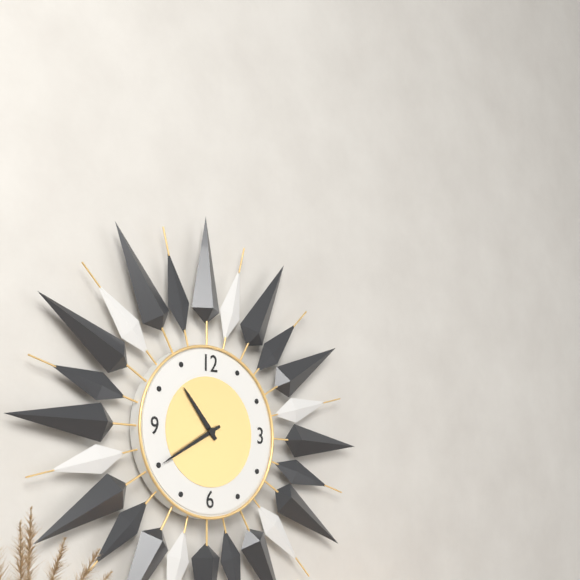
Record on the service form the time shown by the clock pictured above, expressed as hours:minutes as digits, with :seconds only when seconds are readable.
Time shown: 10:40
